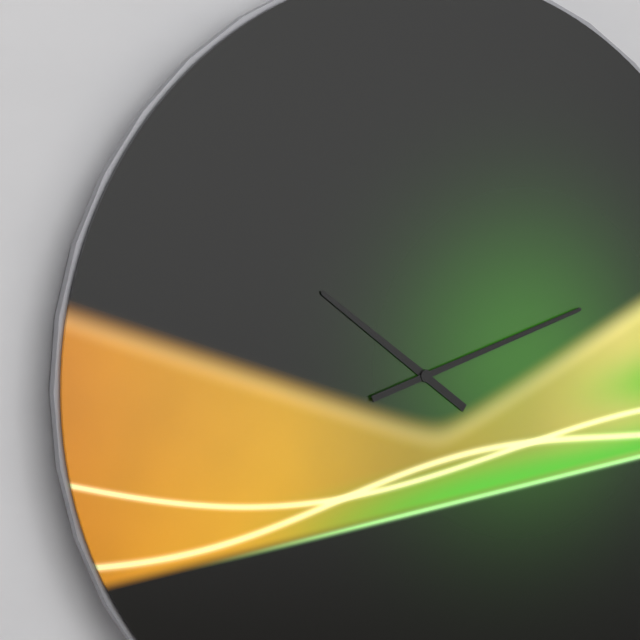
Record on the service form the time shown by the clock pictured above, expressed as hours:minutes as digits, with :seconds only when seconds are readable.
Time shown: 10:12
